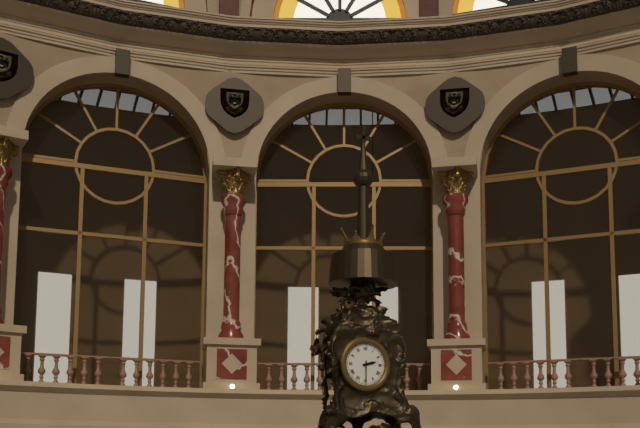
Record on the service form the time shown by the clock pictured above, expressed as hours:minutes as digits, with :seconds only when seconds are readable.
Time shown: 2:30
